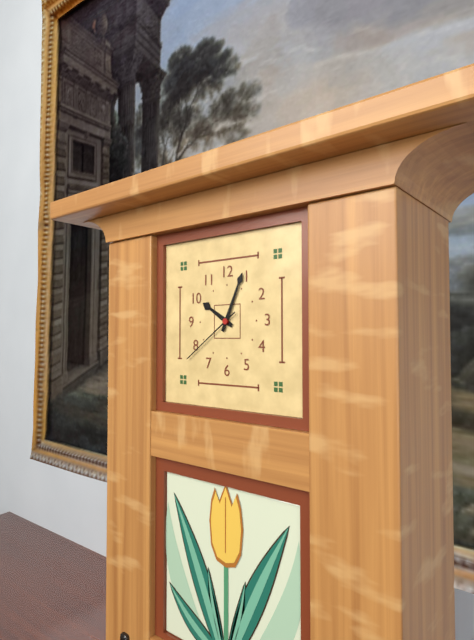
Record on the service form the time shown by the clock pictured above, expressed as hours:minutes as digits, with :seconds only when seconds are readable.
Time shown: 10:04:39
